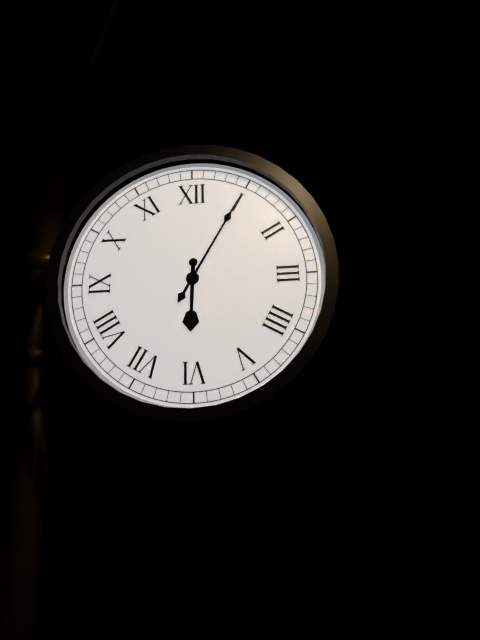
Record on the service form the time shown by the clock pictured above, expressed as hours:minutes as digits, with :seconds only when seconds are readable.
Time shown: 6:05
